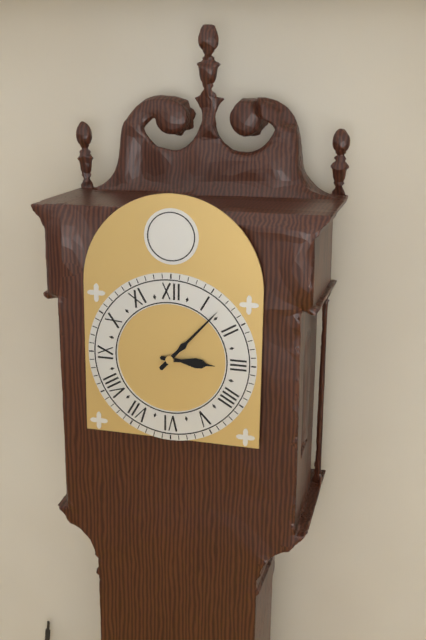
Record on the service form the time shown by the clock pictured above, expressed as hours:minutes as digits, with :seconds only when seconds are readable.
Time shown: 3:07
